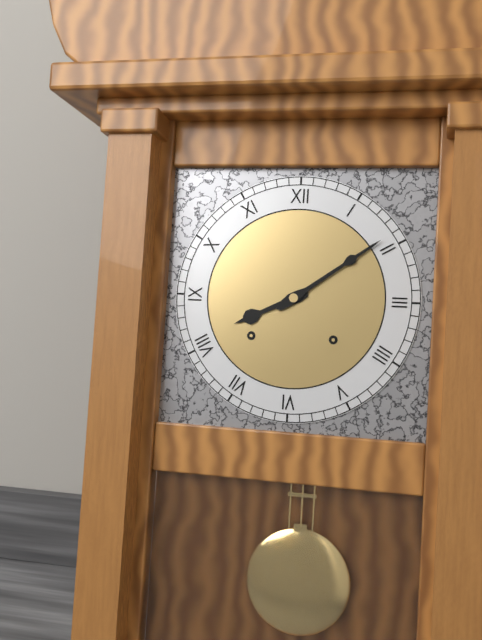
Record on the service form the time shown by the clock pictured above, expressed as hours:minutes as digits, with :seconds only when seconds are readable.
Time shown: 8:09
